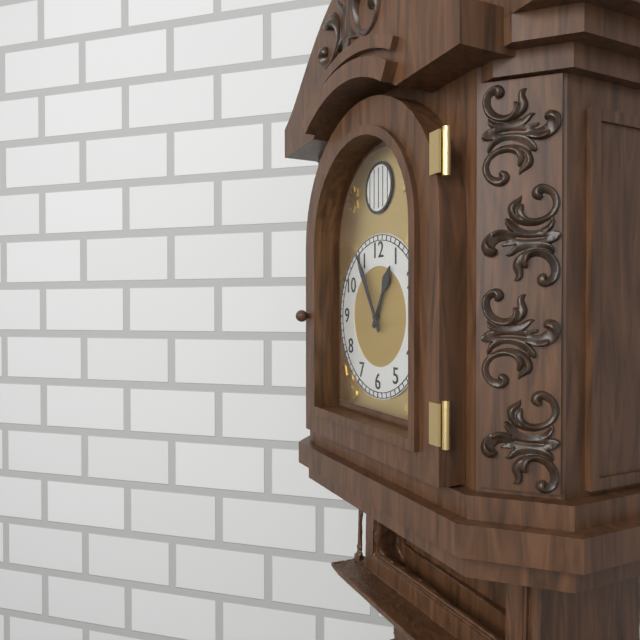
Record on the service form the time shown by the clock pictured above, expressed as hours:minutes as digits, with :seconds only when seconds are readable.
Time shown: 12:55
